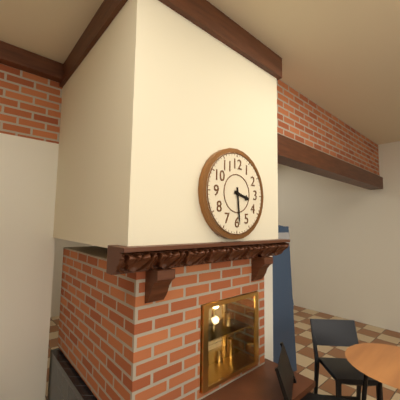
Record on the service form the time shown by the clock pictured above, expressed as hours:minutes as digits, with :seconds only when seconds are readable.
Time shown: 3:29
